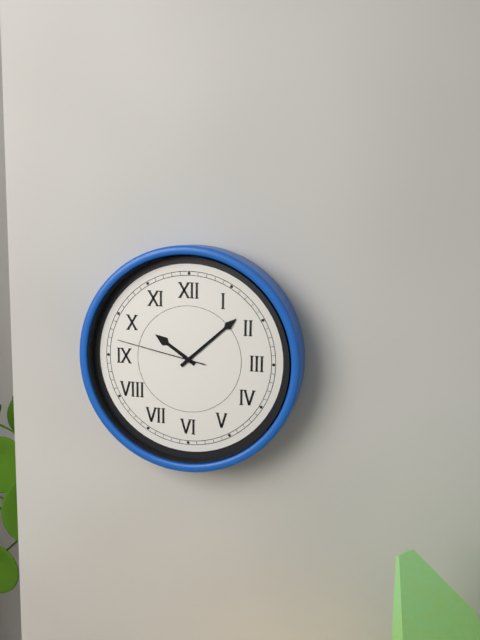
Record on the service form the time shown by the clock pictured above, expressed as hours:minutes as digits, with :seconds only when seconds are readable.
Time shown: 10:08:47
